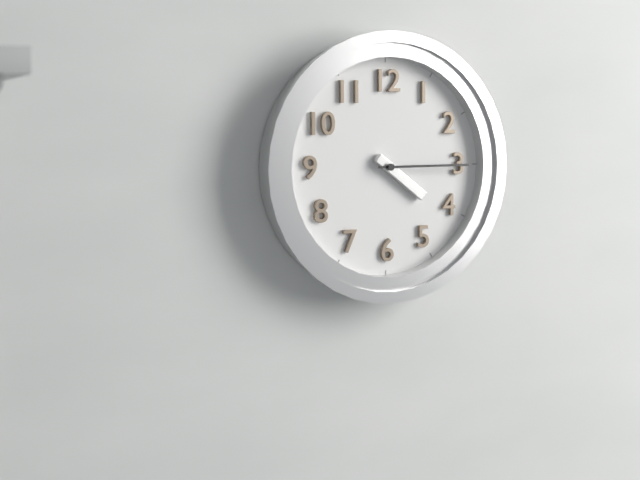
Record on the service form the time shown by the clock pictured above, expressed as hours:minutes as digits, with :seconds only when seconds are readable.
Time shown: 4:15
